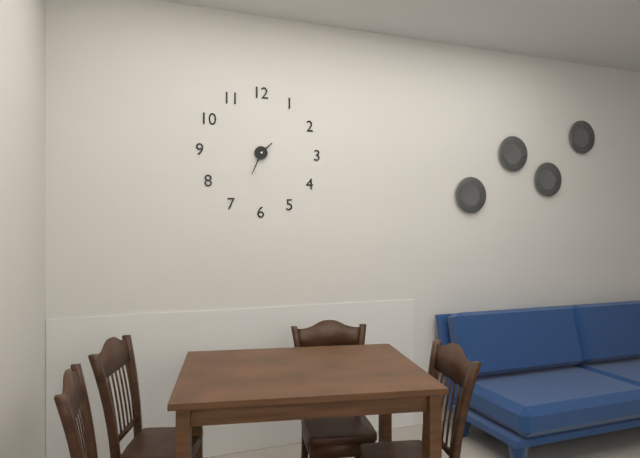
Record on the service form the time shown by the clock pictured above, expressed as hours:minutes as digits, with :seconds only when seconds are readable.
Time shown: 1:34
